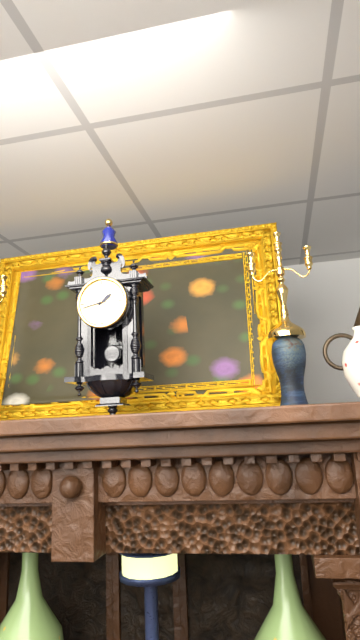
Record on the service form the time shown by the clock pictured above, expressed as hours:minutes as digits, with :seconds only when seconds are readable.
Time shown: 1:43
